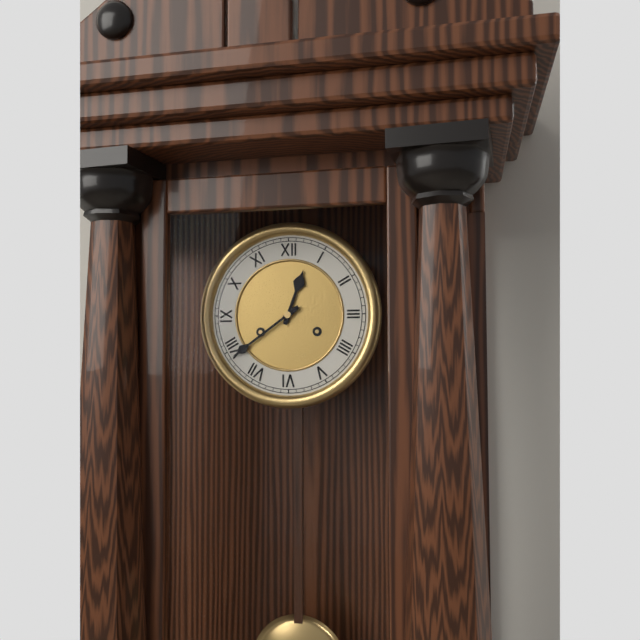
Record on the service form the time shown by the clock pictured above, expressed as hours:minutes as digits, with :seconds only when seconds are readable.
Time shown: 12:39
